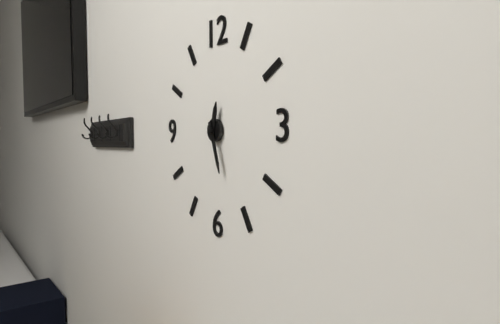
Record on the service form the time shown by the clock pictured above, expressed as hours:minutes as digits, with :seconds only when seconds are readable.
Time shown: 12:27
